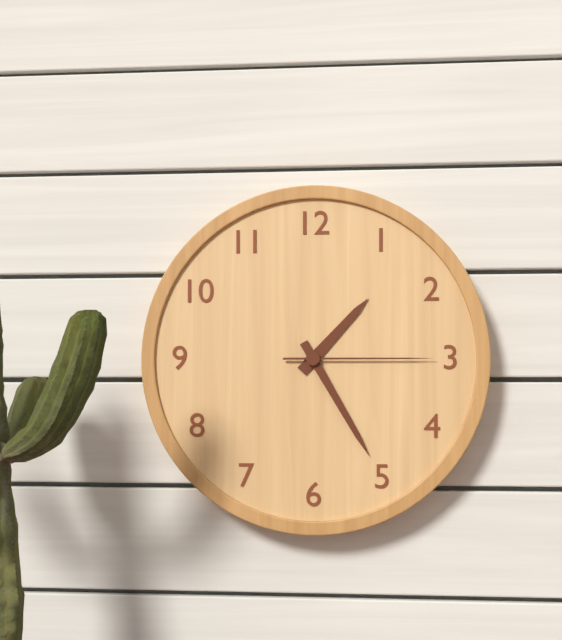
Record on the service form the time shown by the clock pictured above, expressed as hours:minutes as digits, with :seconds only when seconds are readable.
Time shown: 1:25:15
